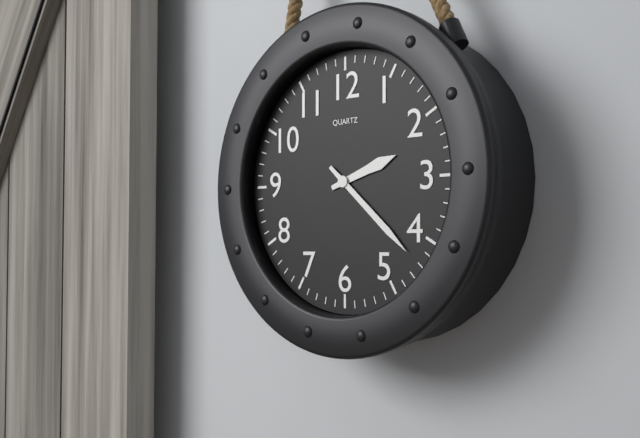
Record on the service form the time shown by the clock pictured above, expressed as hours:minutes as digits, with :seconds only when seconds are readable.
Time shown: 2:22
